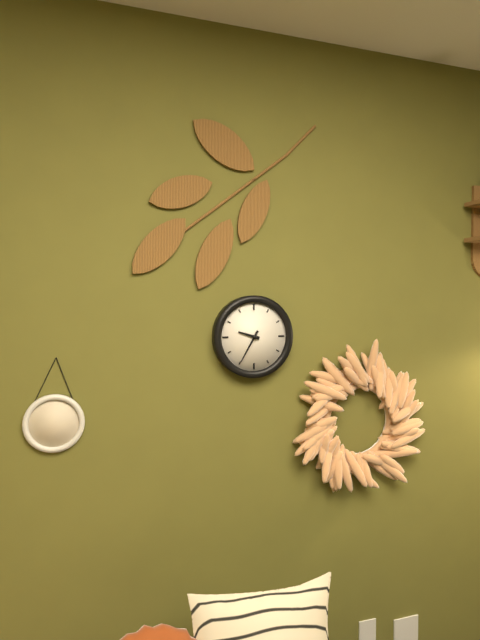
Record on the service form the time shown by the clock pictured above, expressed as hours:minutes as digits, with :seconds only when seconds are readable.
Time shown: 9:35
